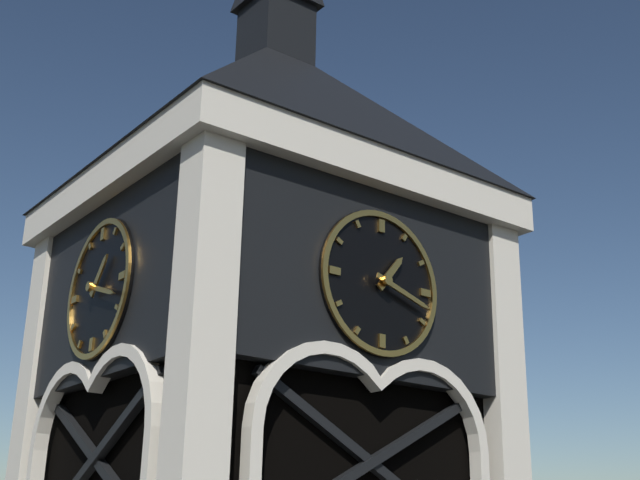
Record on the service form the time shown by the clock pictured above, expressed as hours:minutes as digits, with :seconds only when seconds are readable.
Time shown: 1:18
